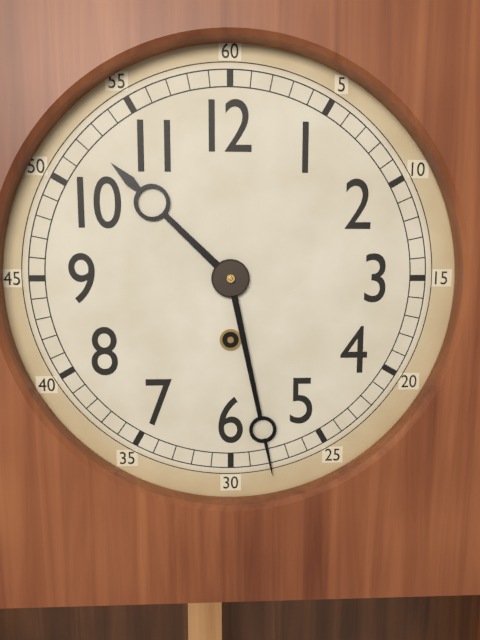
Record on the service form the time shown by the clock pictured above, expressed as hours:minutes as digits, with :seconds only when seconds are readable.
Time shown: 10:28
